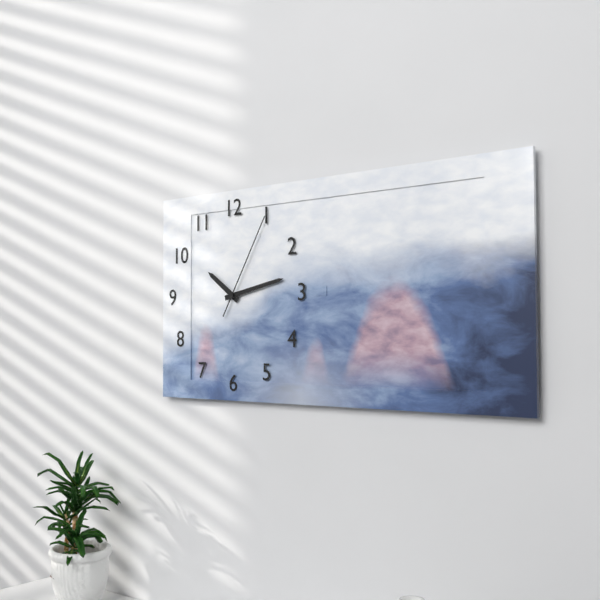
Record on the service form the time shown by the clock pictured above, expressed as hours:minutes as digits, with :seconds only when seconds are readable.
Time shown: 10:13:05
